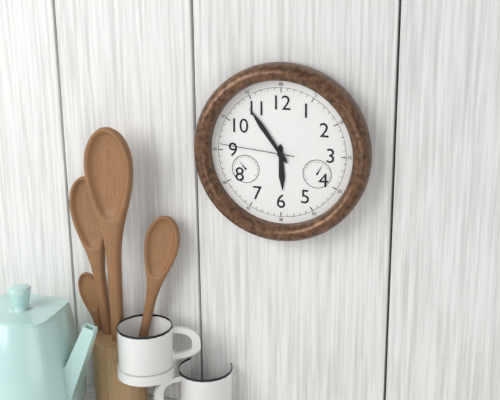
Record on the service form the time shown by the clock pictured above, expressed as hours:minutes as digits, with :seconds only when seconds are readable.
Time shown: 5:54:46
